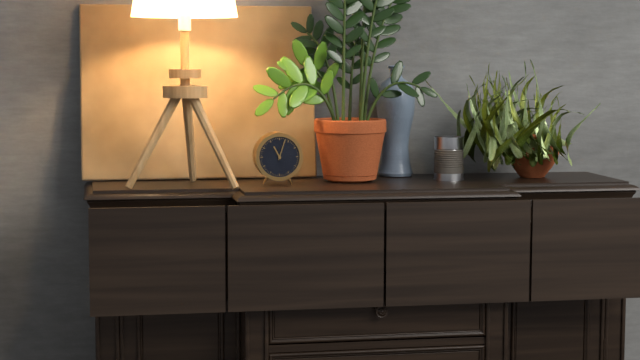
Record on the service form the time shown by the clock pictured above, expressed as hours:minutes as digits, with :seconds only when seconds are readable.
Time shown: 11:03
